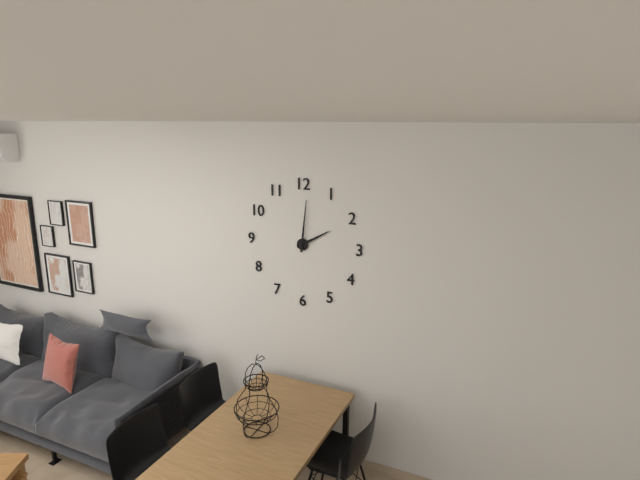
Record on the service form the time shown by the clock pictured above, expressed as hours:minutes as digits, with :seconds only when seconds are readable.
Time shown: 2:01
